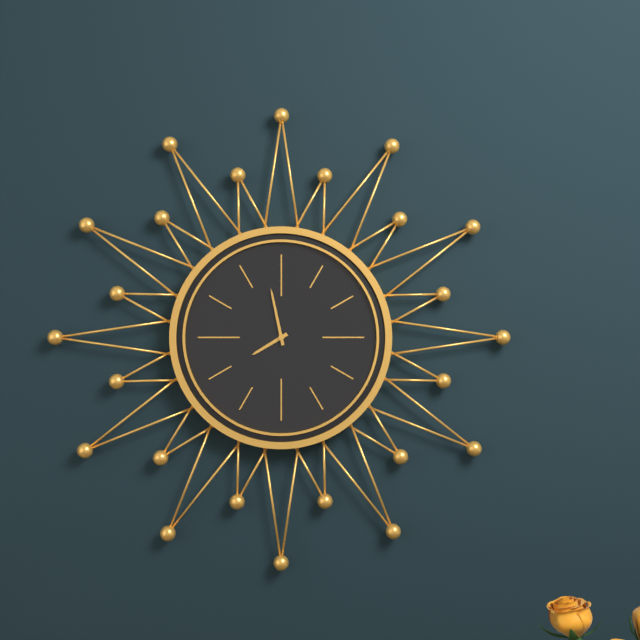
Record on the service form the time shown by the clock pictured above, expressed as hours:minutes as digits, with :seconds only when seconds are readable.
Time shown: 7:58
